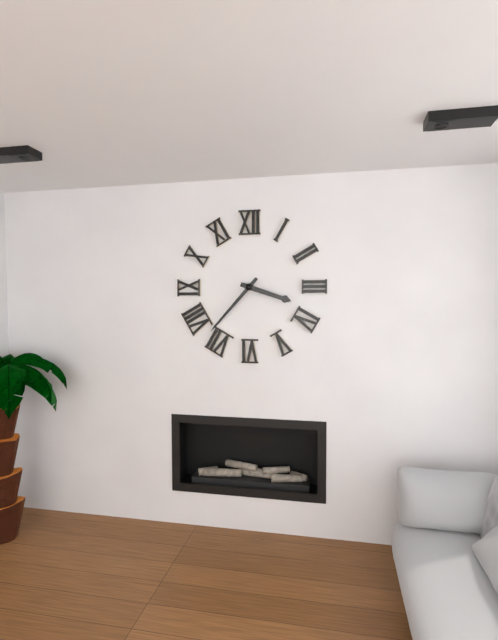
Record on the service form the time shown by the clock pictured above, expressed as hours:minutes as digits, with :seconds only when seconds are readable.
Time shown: 3:37
